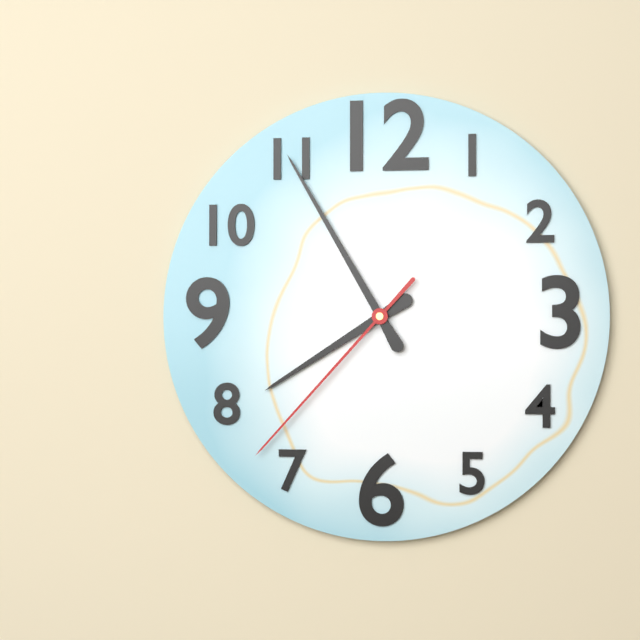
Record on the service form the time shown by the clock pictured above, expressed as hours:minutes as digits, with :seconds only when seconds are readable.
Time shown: 7:55:37
